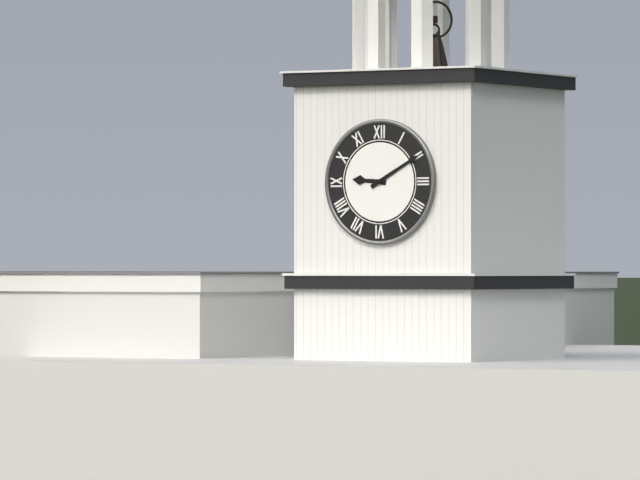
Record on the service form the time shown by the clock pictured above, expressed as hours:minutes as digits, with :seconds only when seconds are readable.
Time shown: 9:10
